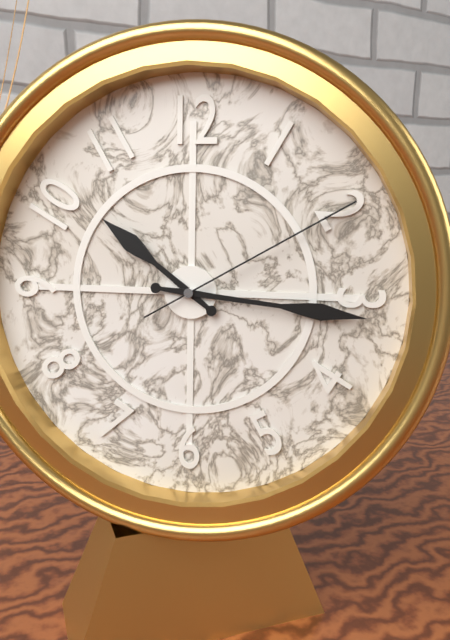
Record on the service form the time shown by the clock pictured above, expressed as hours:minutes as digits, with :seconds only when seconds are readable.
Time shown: 10:16:10
